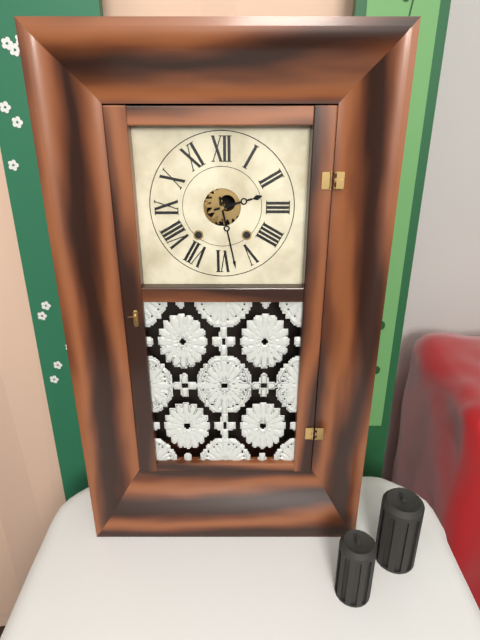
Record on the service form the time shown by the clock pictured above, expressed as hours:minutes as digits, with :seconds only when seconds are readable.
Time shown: 2:28
